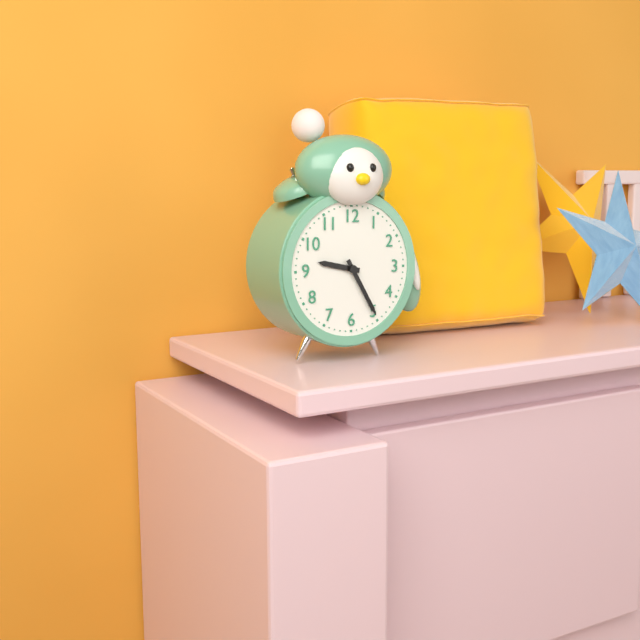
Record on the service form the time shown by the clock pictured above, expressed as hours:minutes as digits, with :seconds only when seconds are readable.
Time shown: 9:25
